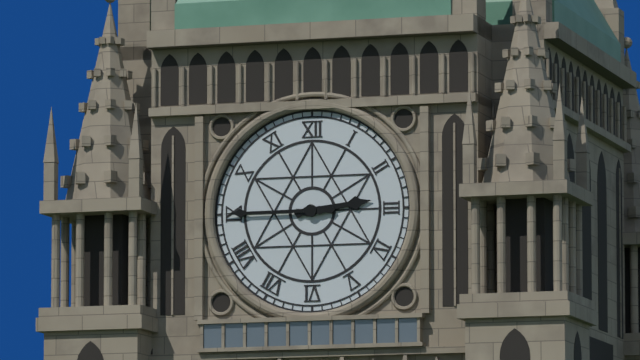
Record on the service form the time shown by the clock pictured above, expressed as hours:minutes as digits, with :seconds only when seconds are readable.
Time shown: 2:45
